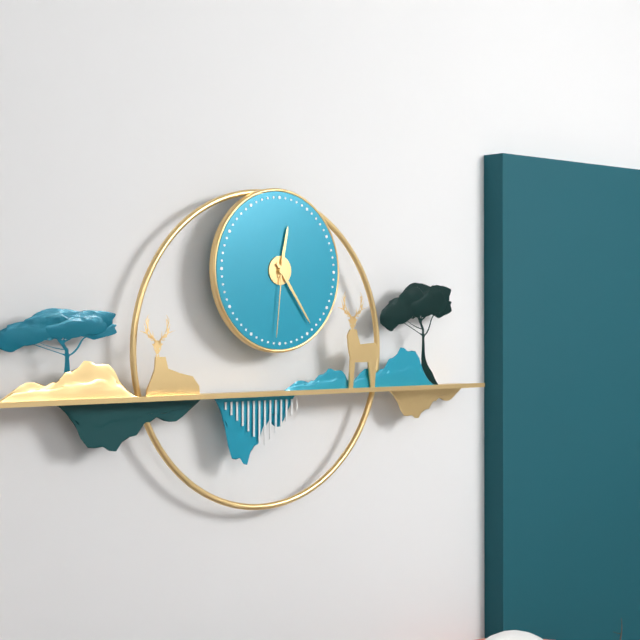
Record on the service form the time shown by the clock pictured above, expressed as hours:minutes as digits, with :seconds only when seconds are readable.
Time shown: 12:24:31
